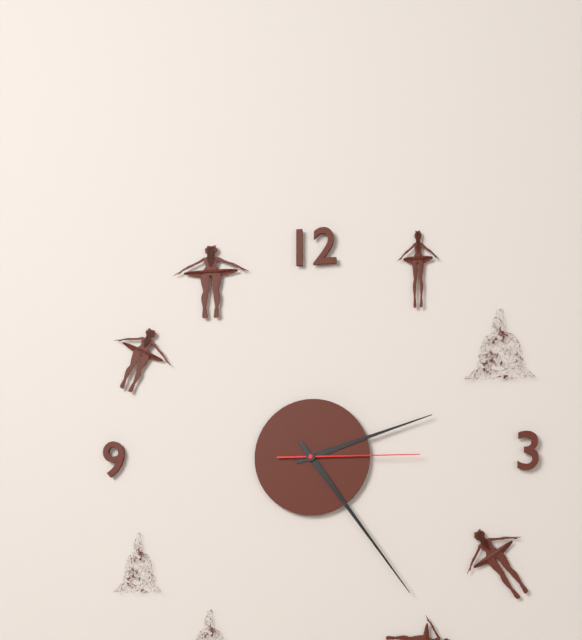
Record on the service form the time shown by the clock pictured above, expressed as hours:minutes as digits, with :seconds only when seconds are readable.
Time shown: 2:24:15
